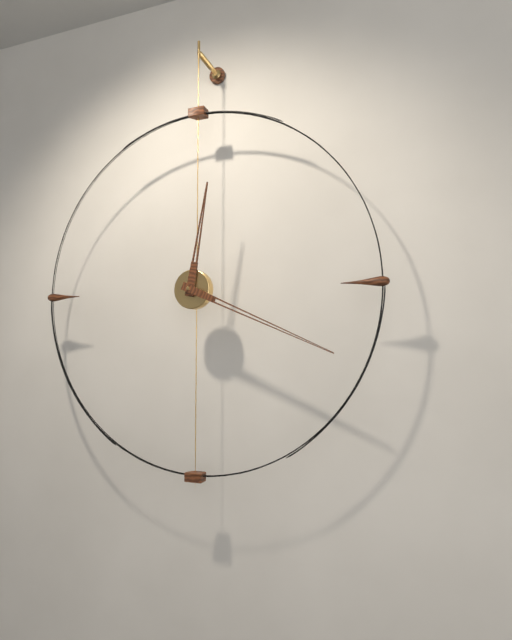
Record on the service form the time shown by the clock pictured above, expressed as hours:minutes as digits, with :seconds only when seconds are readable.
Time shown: 12:19
